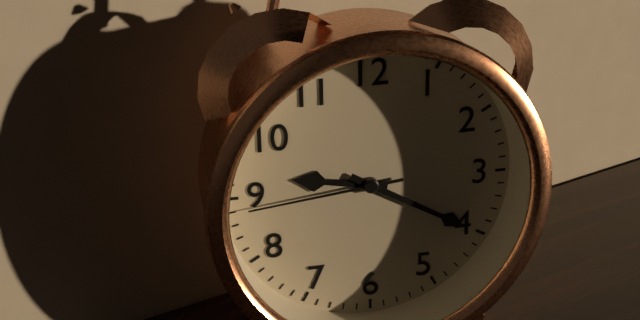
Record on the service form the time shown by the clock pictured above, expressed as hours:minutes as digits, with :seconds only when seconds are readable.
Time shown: 9:20:44
